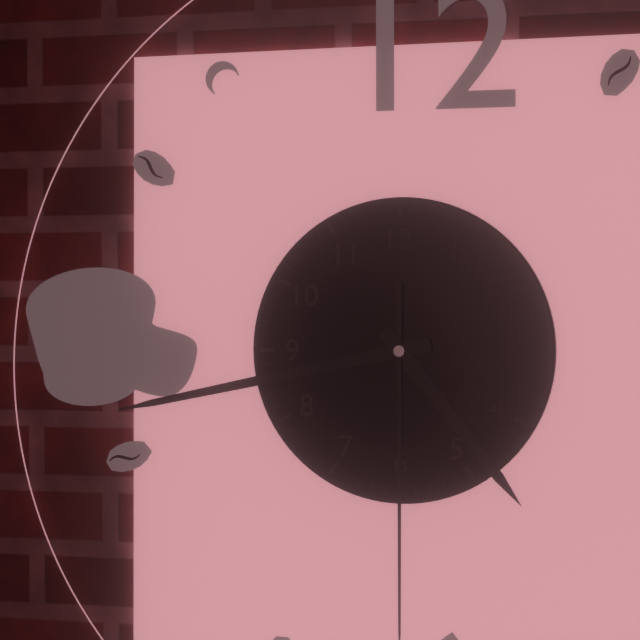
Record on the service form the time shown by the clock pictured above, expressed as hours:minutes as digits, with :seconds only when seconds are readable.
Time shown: 4:43
